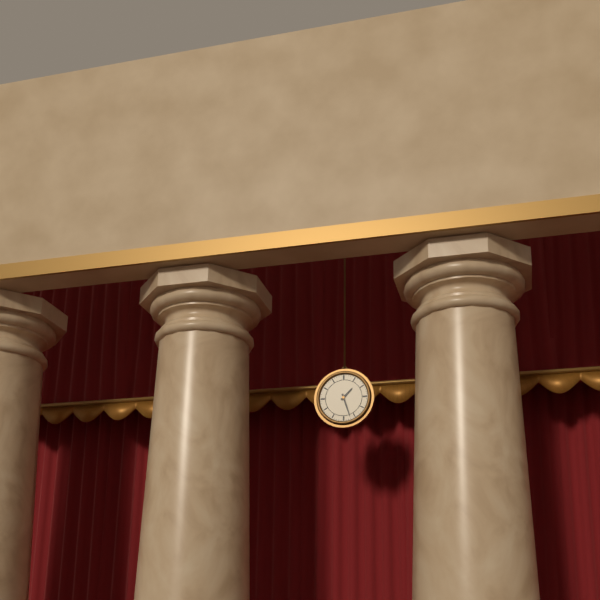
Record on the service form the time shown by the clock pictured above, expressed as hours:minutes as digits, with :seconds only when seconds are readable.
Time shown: 1:27
